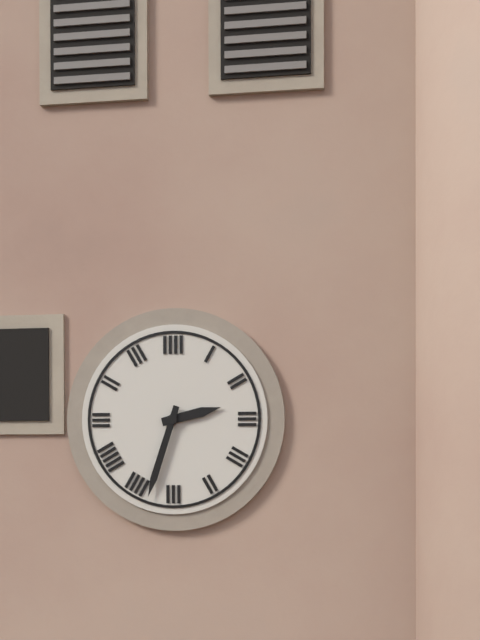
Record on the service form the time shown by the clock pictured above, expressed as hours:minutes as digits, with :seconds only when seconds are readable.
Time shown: 2:33
